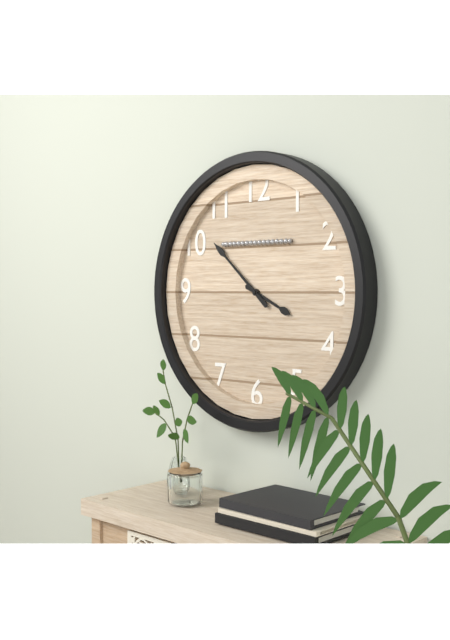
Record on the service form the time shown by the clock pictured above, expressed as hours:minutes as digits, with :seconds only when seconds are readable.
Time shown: 3:52
